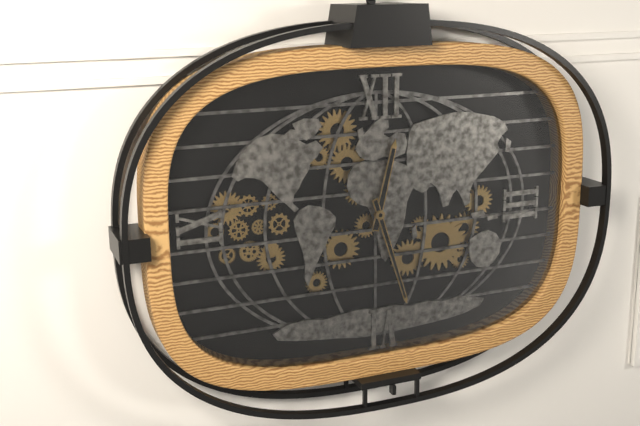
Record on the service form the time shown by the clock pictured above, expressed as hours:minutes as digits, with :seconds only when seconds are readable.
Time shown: 12:27
